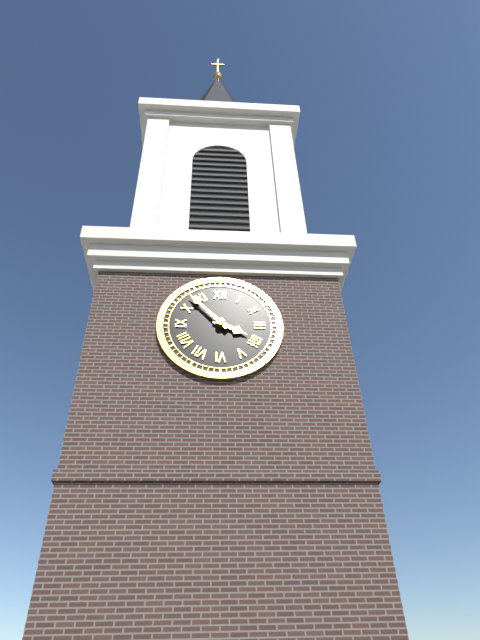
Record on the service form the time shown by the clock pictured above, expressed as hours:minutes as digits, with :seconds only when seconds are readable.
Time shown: 3:53
